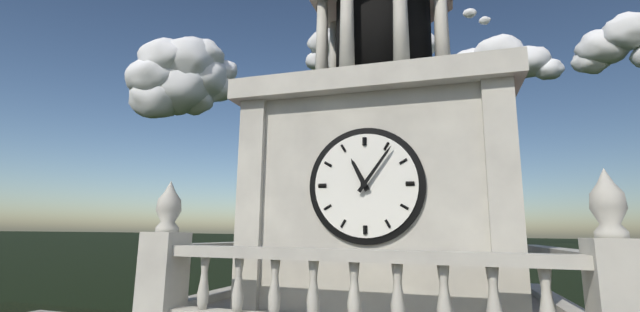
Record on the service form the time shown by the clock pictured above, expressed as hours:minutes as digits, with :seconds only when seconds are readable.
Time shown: 11:06
